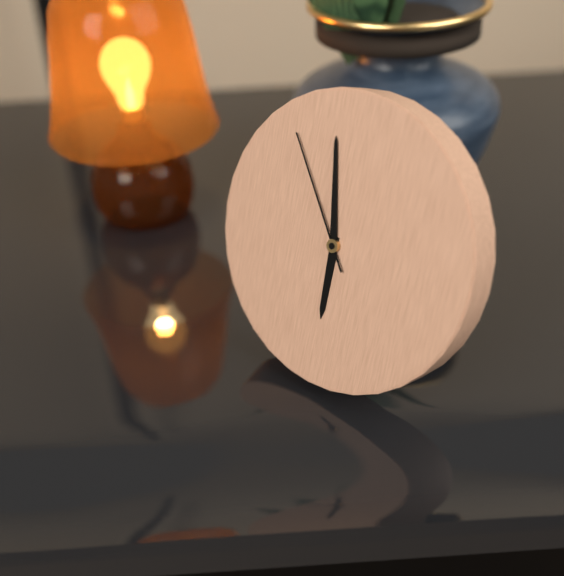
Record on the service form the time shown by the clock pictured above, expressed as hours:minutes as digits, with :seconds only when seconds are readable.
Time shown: 5:58:54
